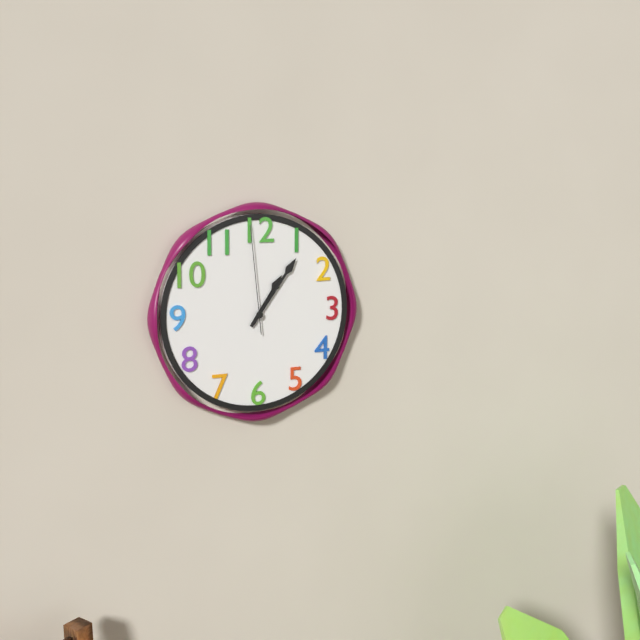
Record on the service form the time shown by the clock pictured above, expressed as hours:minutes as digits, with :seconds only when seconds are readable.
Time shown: 1:06:59
